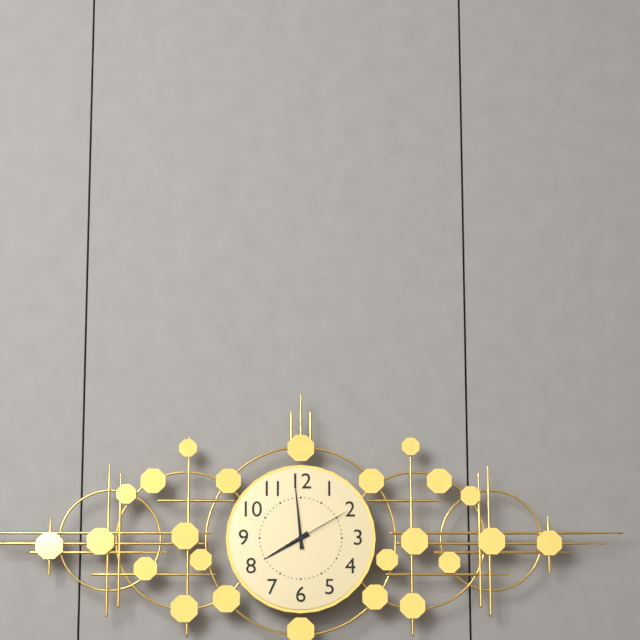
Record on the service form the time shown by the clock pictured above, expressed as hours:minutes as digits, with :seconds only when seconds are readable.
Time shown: 7:59:10
